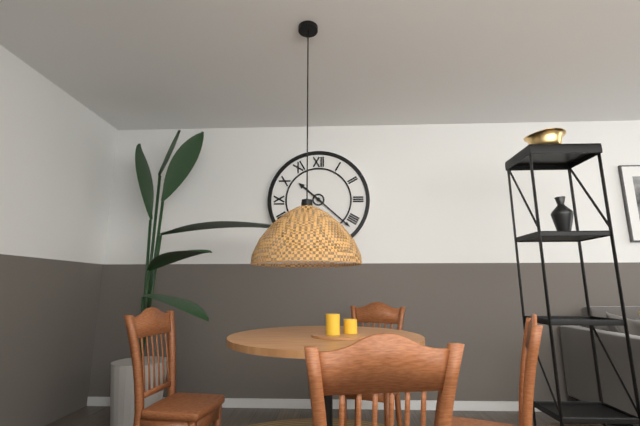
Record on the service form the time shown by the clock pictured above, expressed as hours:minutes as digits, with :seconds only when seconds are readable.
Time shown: 10:22
